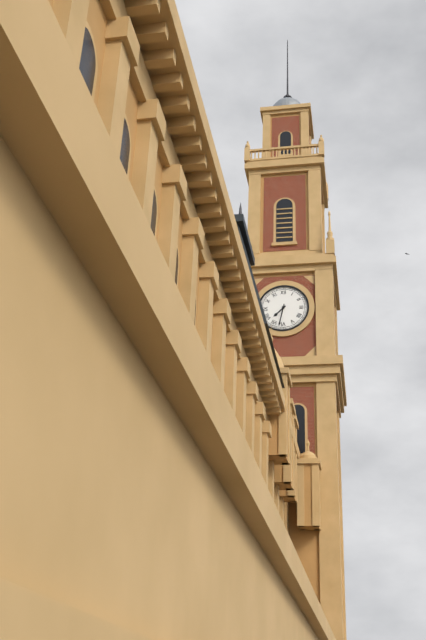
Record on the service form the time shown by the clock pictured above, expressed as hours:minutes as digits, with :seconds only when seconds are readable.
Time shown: 7:32
